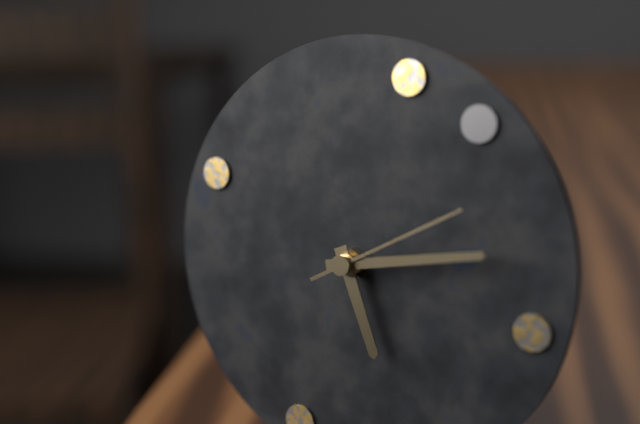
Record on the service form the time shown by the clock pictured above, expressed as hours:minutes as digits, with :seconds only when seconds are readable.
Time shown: 5:13:10
